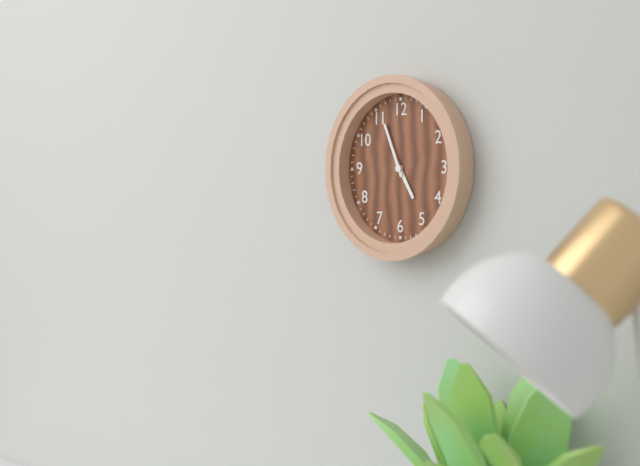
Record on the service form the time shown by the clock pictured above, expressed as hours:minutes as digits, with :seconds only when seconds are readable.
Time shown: 4:56
